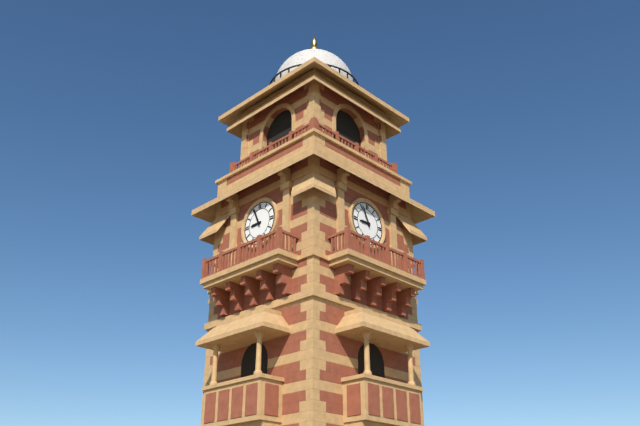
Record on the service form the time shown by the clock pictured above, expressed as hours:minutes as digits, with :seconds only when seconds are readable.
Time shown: 8:56
